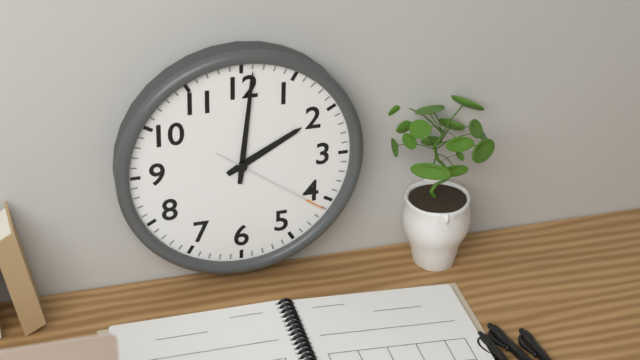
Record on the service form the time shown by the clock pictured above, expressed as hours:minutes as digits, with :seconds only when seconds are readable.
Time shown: 2:01:21
